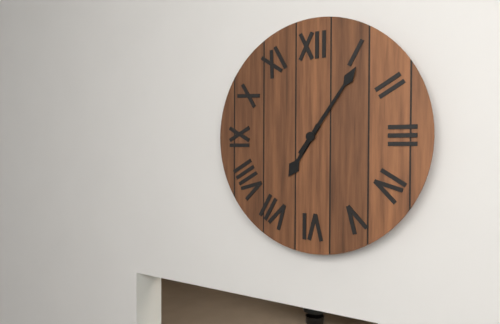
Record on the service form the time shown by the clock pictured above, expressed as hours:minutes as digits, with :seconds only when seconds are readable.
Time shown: 7:06
